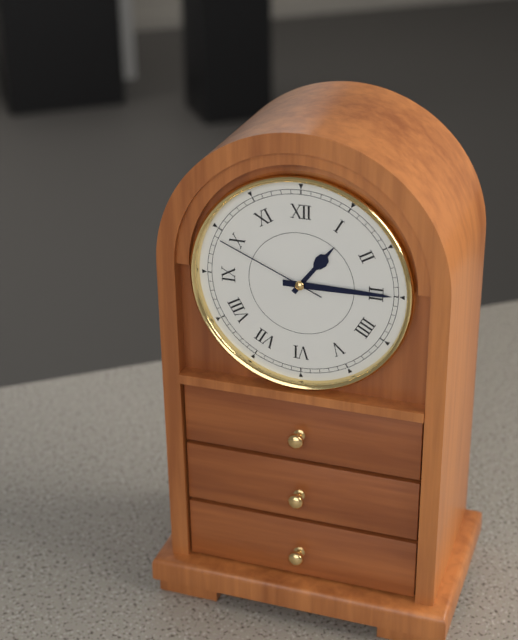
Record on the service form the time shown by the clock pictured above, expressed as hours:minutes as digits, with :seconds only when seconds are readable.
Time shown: 1:15:49
